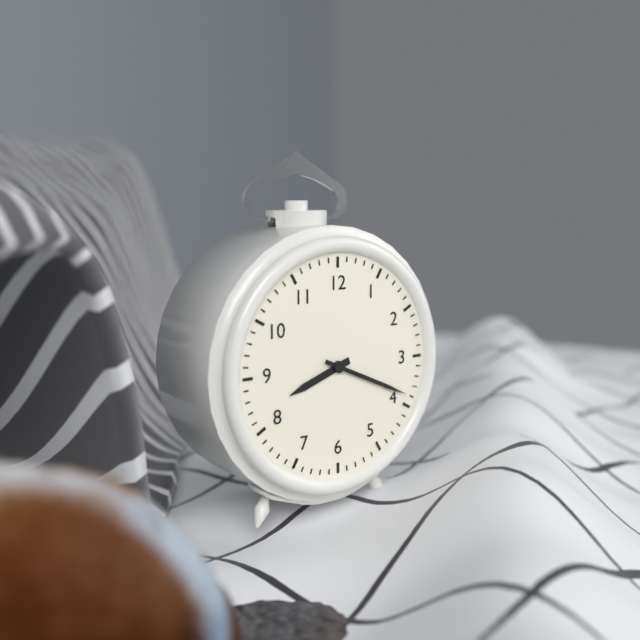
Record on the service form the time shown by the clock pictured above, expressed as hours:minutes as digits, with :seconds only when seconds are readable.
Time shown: 8:19
